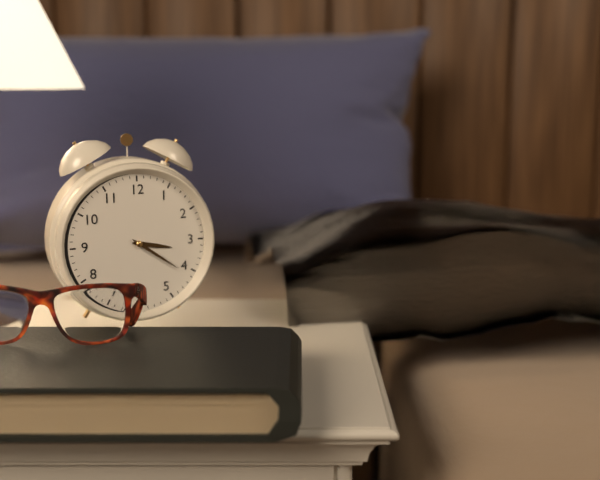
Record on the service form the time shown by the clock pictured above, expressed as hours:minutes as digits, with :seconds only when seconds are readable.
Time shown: 3:21
